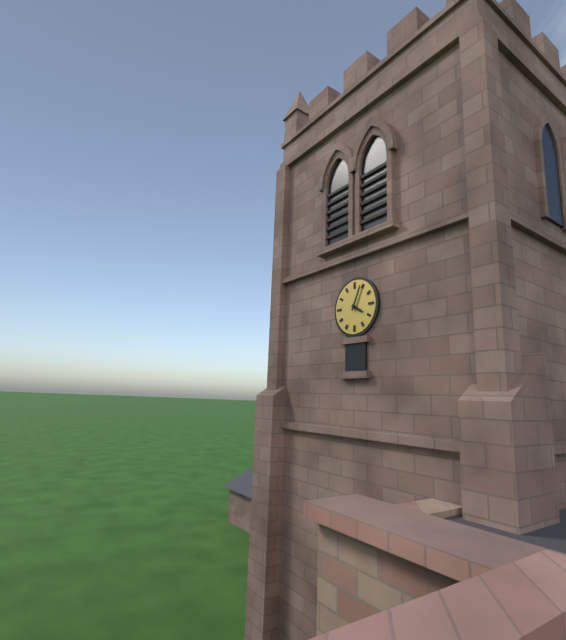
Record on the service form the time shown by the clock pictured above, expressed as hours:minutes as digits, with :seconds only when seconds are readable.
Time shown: 4:04
